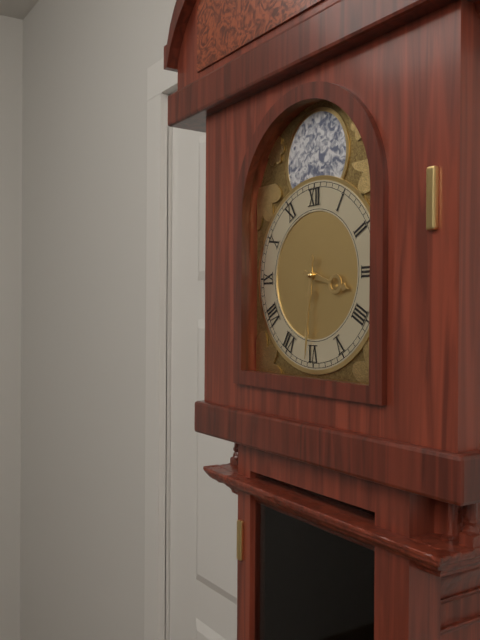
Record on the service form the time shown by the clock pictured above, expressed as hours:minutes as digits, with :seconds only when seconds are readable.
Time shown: 3:31
